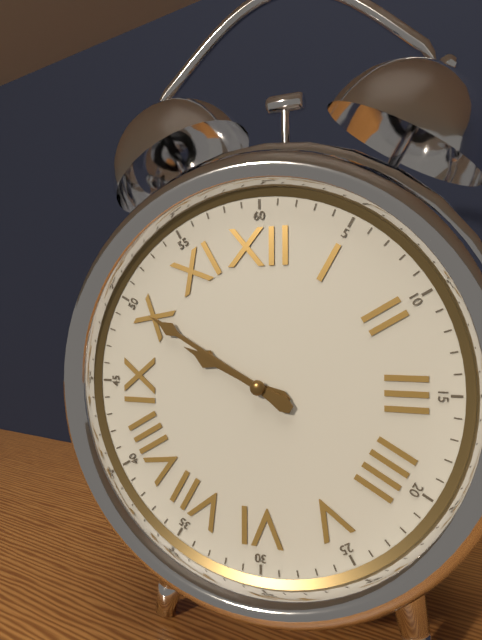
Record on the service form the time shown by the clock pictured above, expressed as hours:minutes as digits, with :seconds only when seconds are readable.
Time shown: 9:50
